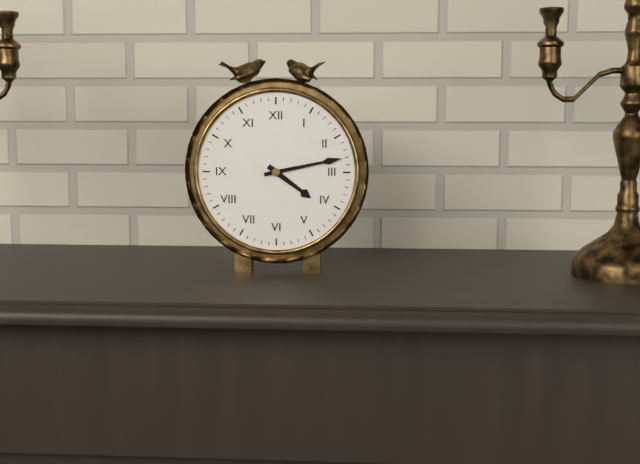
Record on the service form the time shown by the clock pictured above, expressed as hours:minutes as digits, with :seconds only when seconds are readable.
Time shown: 4:13
